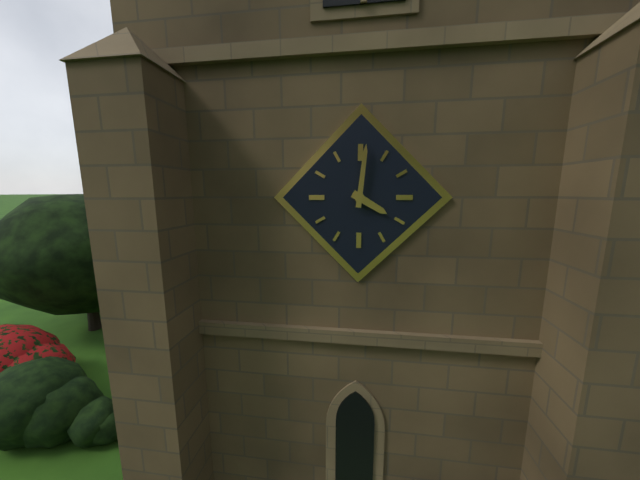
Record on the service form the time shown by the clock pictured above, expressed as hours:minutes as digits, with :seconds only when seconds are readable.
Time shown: 4:01
